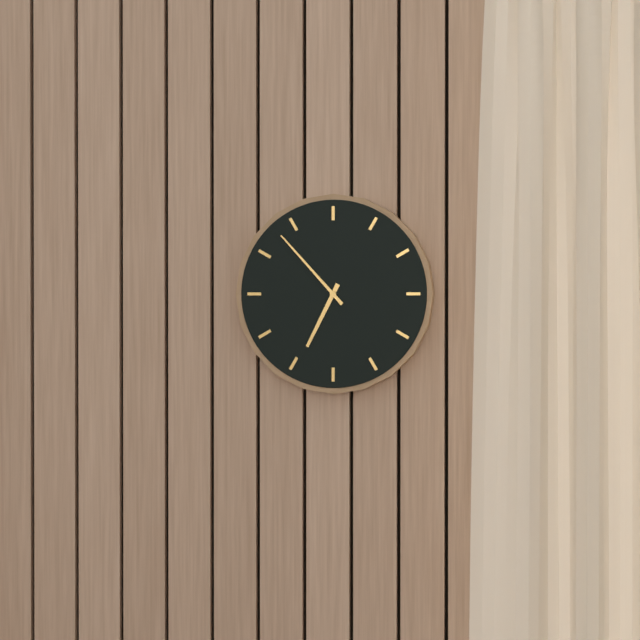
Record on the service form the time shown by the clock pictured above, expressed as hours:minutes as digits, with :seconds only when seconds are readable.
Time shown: 6:53
